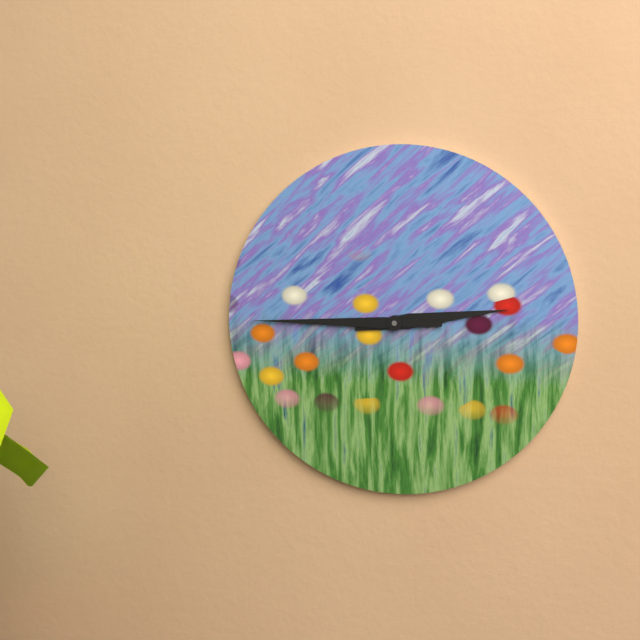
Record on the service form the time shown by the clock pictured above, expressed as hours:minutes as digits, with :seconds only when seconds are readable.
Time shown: 2:45
